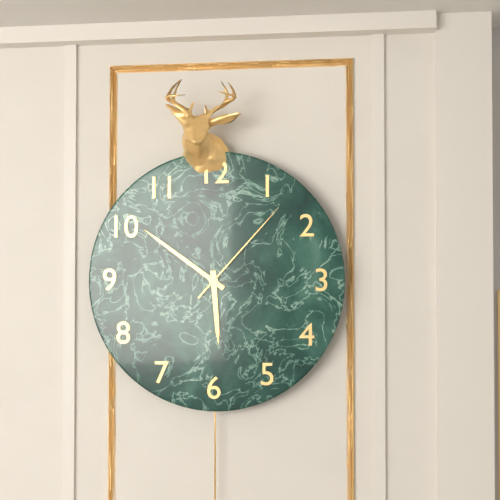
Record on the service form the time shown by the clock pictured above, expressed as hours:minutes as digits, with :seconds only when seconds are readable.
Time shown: 5:51:07
